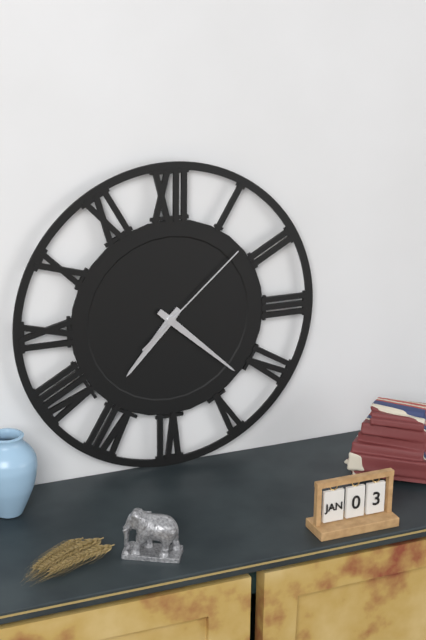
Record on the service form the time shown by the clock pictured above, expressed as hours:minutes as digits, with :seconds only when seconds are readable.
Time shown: 7:22:08
